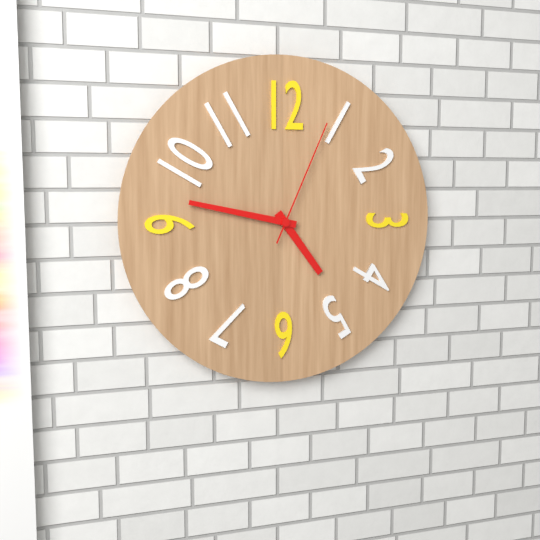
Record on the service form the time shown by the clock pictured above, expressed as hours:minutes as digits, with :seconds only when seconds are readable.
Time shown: 4:47:04
